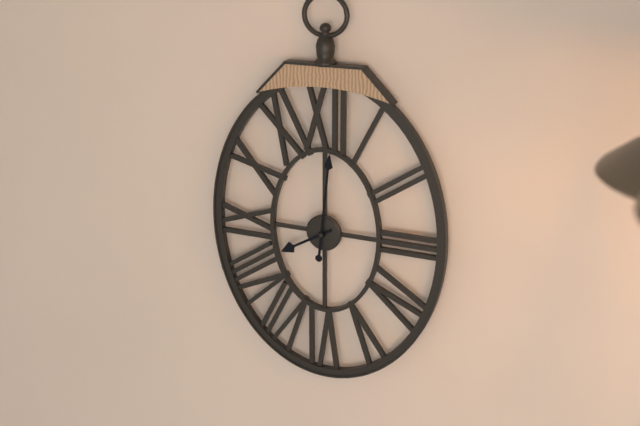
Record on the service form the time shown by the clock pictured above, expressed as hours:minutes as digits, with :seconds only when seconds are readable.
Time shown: 8:01
